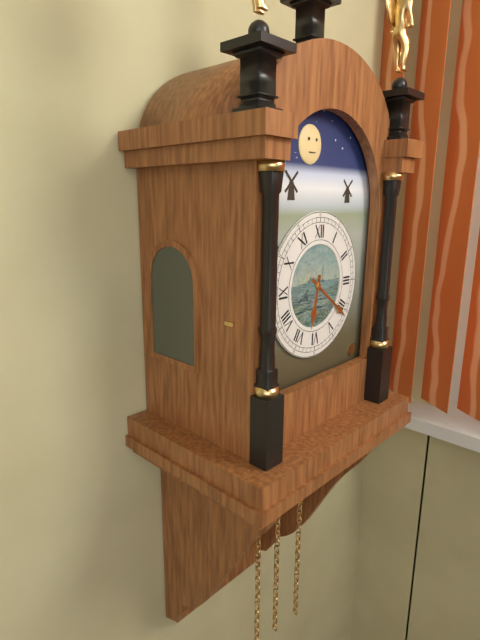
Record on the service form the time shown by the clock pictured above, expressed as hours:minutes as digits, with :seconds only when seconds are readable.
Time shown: 6:21
